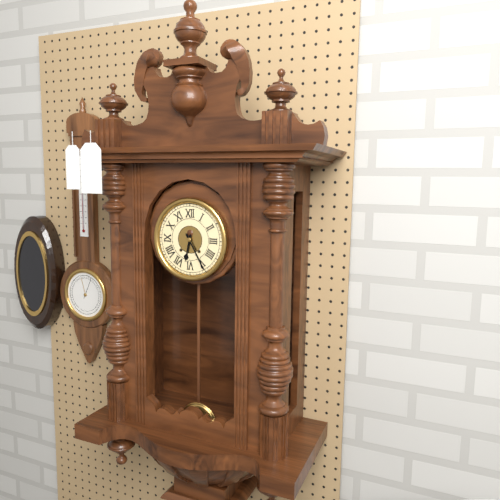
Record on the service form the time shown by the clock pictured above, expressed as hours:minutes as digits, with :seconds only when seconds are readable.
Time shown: 6:25
